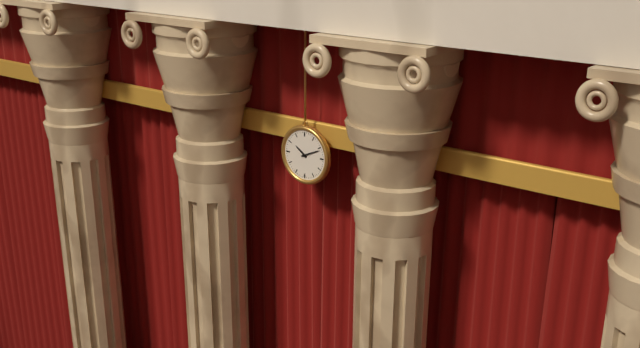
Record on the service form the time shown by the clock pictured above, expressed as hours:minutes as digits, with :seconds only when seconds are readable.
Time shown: 10:11
